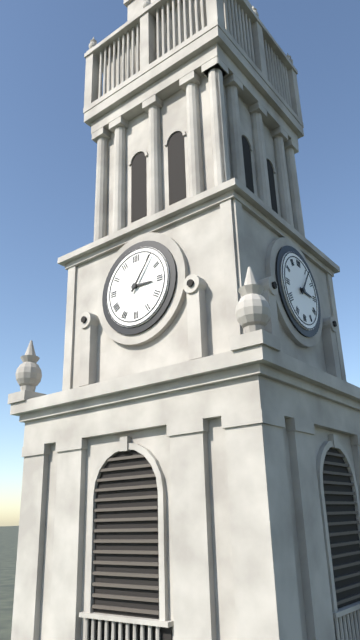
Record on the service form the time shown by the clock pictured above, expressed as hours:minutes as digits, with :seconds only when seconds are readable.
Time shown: 3:06
